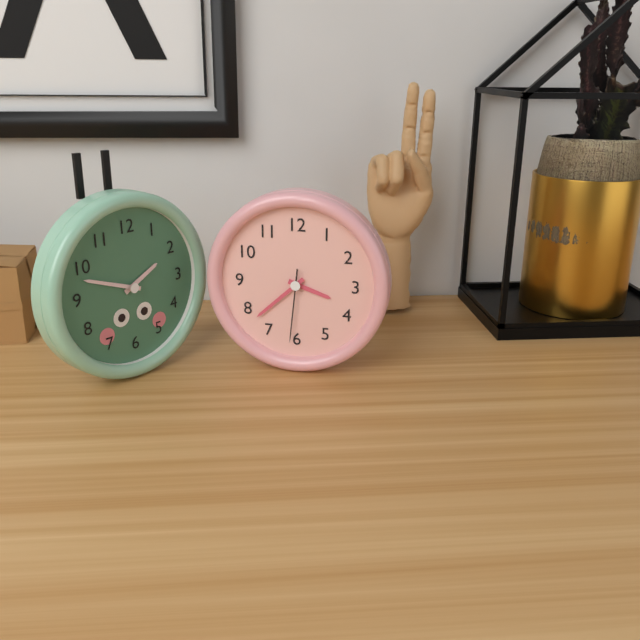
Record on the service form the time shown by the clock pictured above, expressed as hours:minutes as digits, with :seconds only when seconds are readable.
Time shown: 3:38:31
